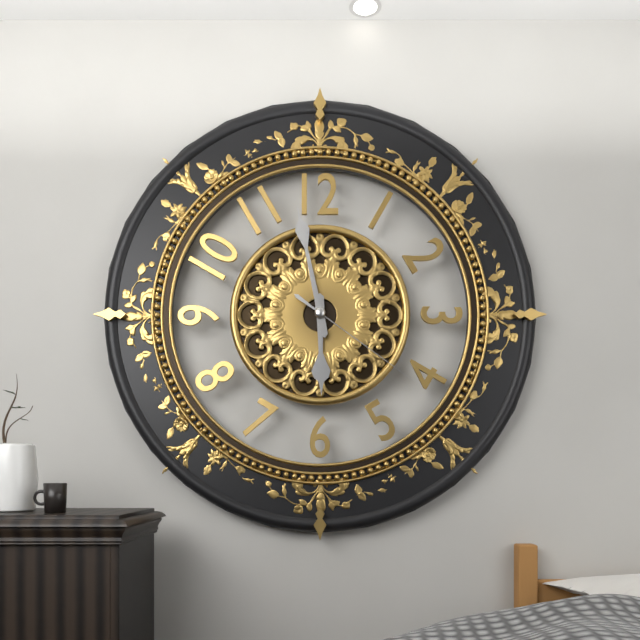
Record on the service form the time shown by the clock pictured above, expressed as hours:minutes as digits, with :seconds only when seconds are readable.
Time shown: 5:58:21
